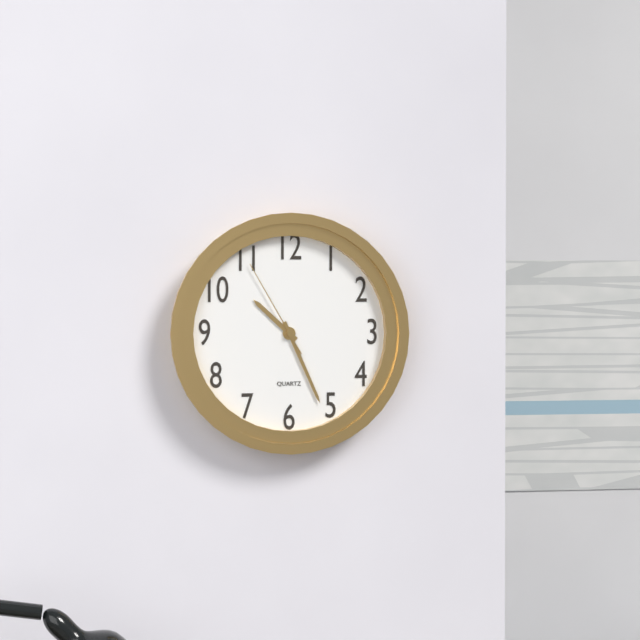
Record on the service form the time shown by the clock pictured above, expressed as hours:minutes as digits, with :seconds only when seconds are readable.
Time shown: 10:26:55
